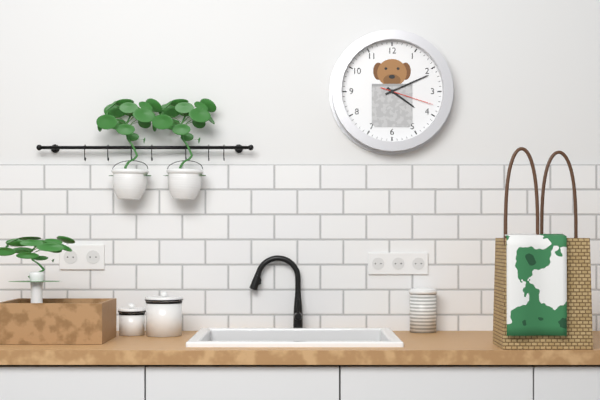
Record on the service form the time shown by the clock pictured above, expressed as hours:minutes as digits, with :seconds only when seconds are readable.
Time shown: 4:11:18
